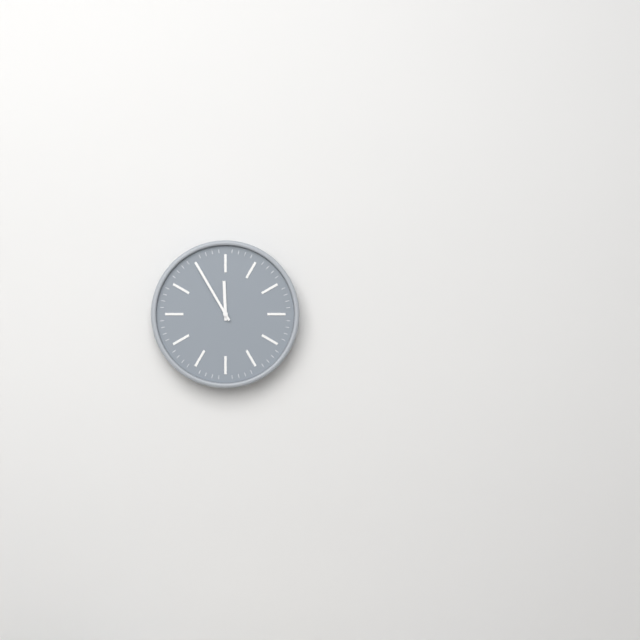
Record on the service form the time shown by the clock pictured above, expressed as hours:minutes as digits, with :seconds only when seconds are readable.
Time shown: 11:55
